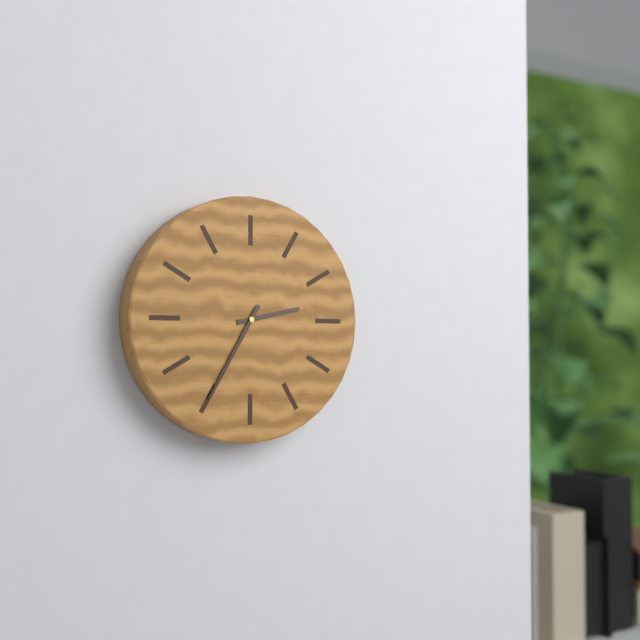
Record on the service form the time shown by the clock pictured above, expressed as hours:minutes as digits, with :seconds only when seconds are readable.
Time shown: 2:35
